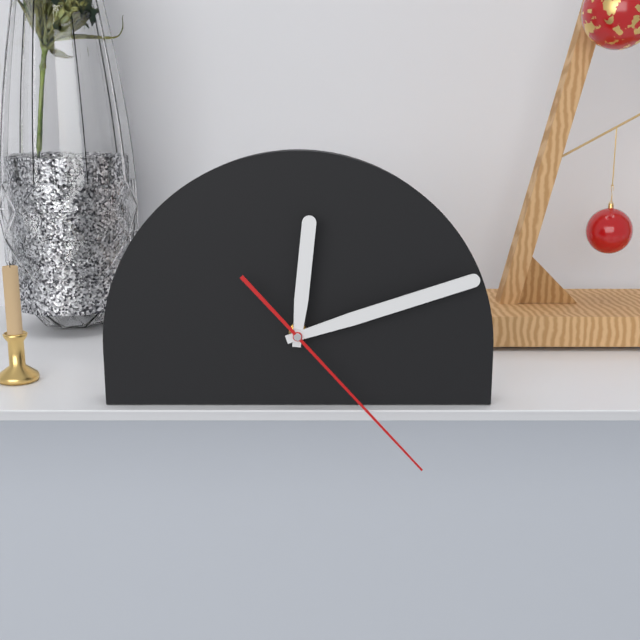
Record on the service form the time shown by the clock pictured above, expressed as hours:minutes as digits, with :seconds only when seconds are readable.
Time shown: 12:12:23
